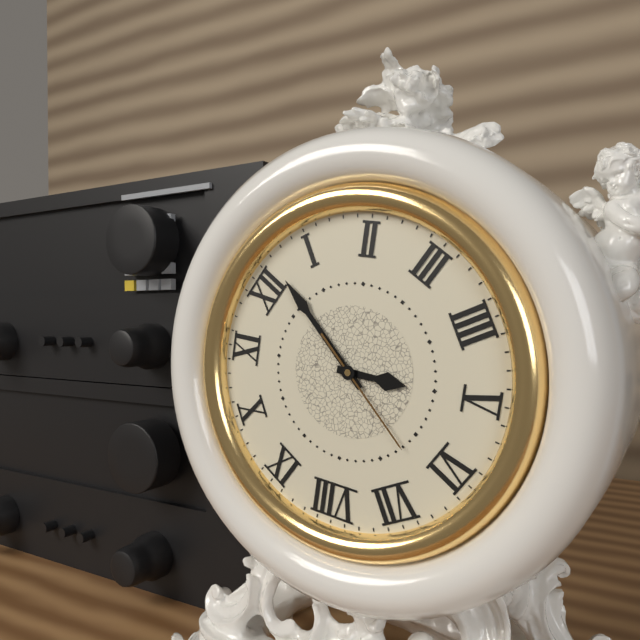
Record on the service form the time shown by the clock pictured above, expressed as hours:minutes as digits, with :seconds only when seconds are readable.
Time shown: 5:02:32
